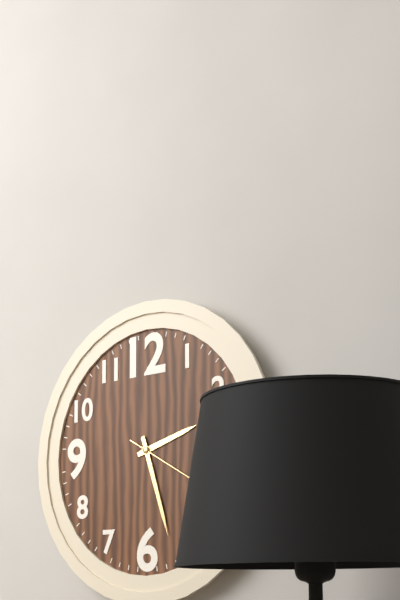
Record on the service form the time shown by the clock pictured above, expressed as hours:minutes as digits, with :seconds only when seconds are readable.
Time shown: 2:27:20
